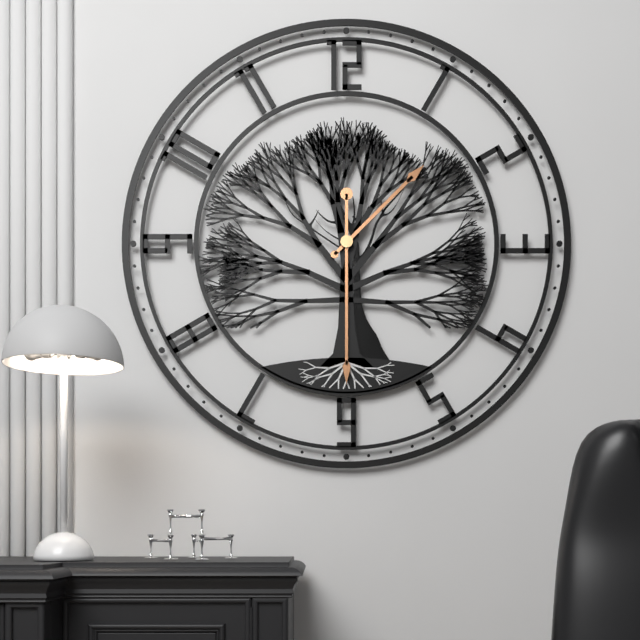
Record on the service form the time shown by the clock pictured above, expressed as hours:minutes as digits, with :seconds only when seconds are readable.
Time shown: 1:30
